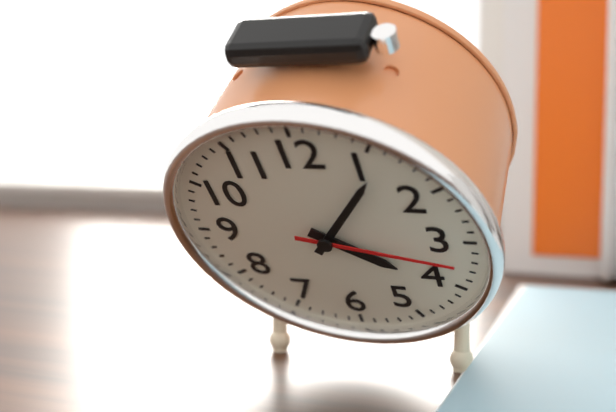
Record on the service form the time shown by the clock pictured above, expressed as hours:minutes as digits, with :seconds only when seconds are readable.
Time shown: 4:06:17
